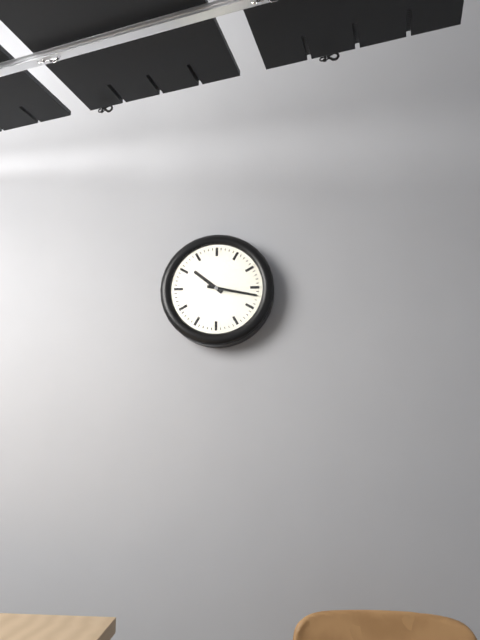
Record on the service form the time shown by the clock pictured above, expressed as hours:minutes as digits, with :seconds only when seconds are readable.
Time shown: 10:17
